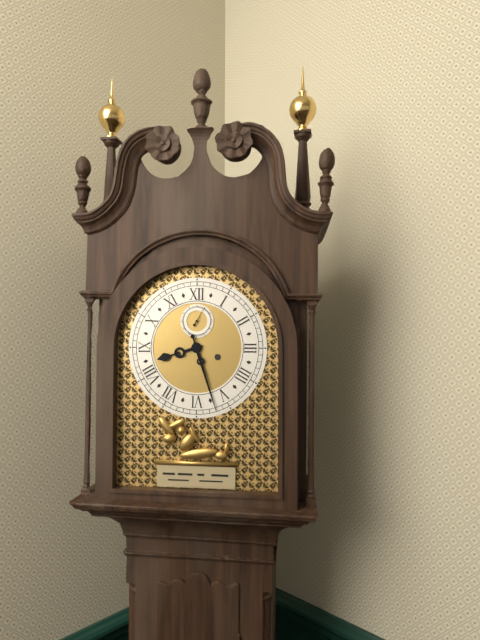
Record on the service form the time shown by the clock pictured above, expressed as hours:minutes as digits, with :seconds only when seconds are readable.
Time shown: 8:27
